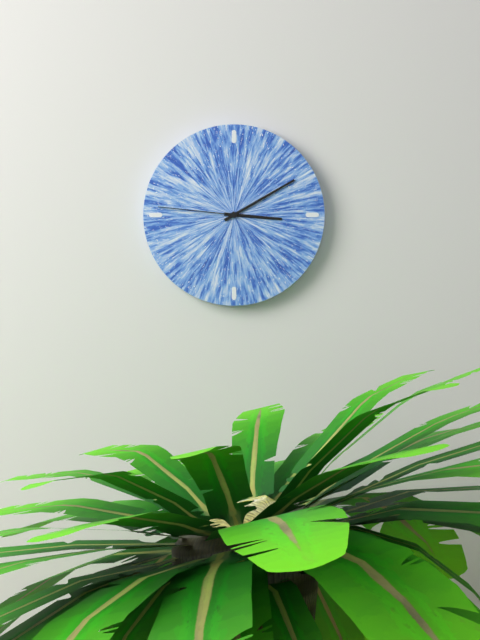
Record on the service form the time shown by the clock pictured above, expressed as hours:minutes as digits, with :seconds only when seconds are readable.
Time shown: 3:10:46
